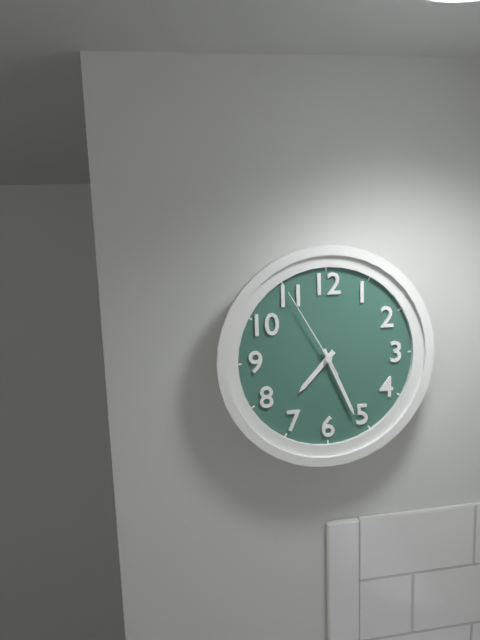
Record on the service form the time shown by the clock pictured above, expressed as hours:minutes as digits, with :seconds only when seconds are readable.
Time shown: 7:26:55
